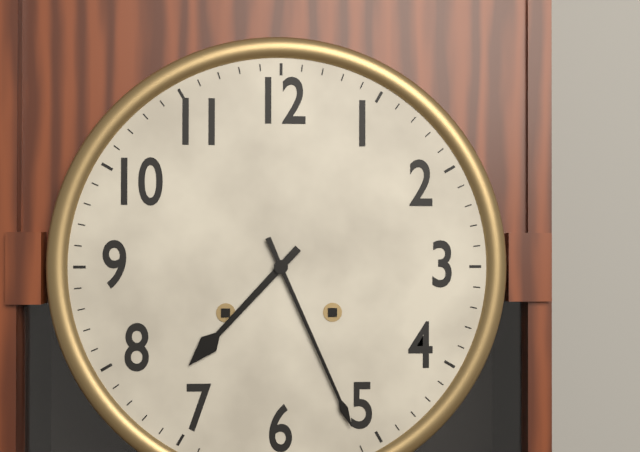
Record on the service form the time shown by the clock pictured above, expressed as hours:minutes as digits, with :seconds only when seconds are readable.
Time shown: 7:26
